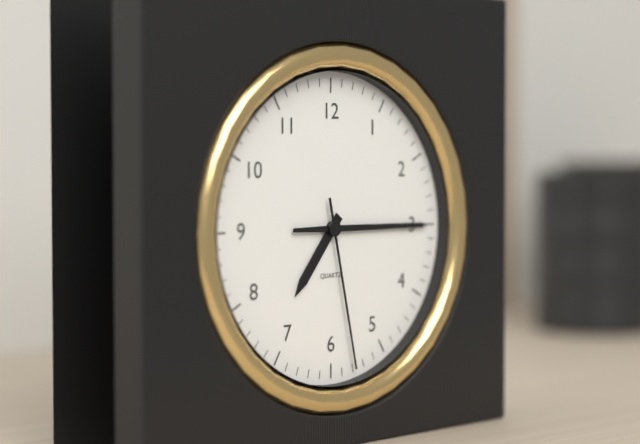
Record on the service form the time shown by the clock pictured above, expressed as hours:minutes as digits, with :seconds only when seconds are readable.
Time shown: 7:15:28
